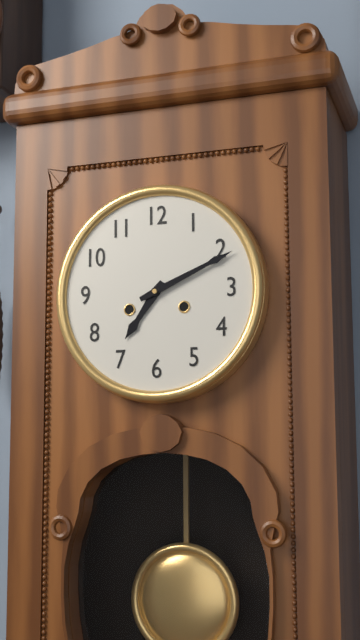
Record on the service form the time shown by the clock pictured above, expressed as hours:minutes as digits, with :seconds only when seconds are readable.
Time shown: 7:11
